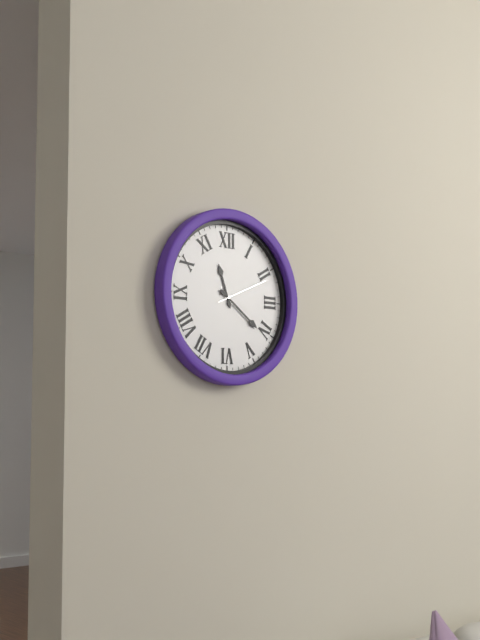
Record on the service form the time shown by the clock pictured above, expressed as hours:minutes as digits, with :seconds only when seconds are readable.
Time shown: 11:21:11
